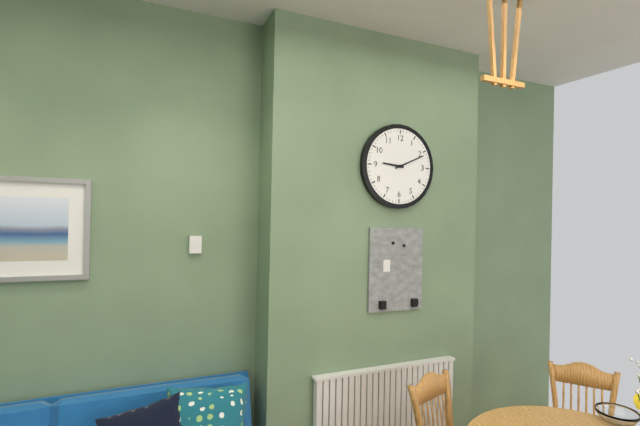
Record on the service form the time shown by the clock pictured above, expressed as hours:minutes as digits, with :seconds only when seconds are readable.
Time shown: 9:11
